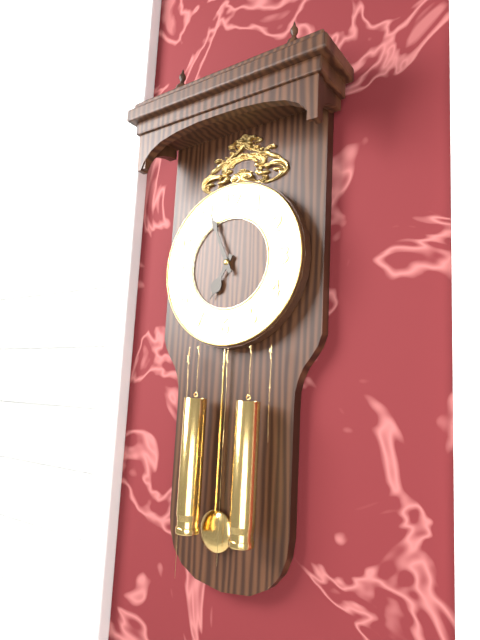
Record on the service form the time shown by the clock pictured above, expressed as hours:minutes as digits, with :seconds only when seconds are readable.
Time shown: 6:56
